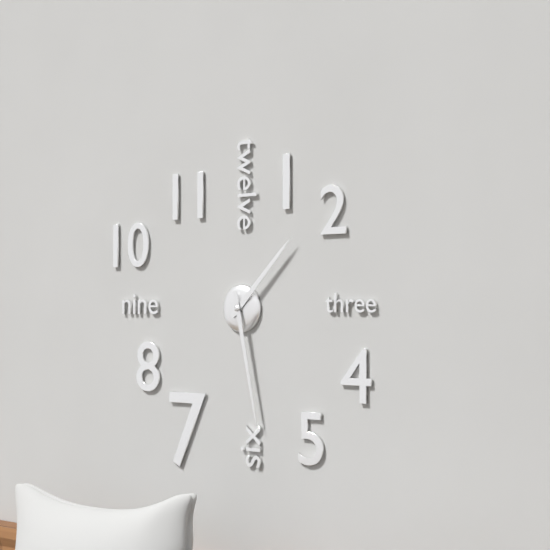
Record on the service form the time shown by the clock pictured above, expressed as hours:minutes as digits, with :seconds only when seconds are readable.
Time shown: 1:28
